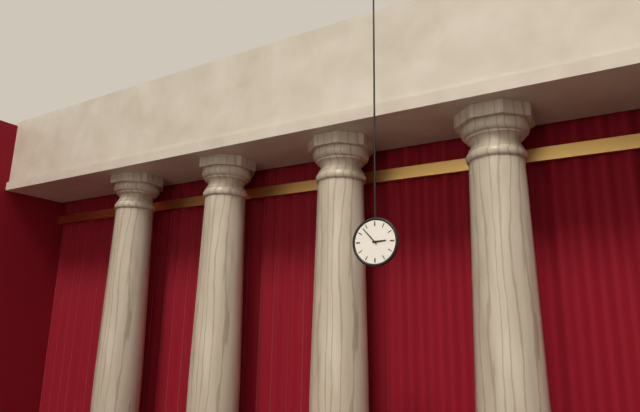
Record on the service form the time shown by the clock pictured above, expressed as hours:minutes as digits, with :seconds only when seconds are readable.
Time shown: 2:53
